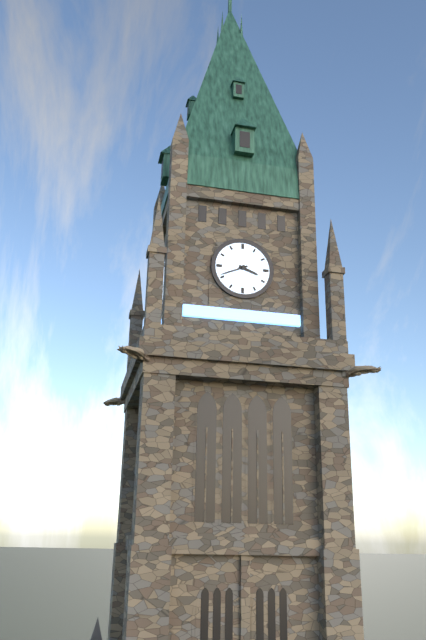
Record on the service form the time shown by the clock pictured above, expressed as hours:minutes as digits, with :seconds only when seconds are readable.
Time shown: 3:41
